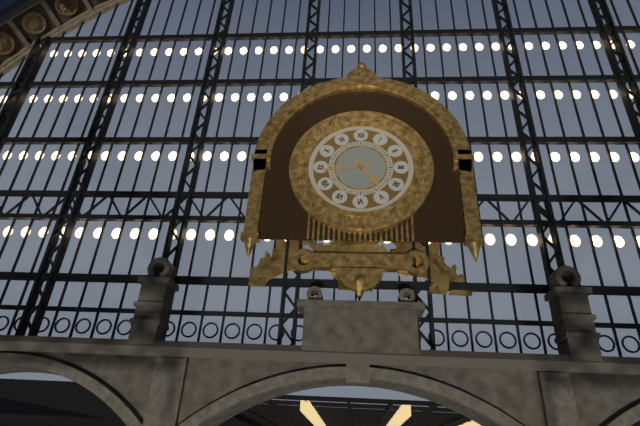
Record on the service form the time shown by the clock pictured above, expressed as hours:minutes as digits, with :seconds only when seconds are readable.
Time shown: 4:44
